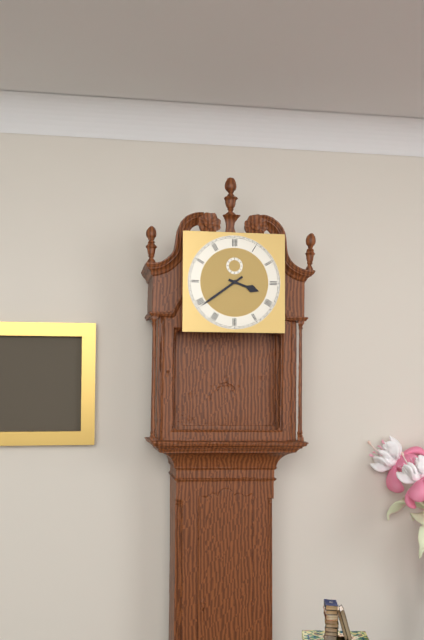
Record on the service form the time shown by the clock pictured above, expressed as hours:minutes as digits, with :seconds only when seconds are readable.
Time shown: 3:39
